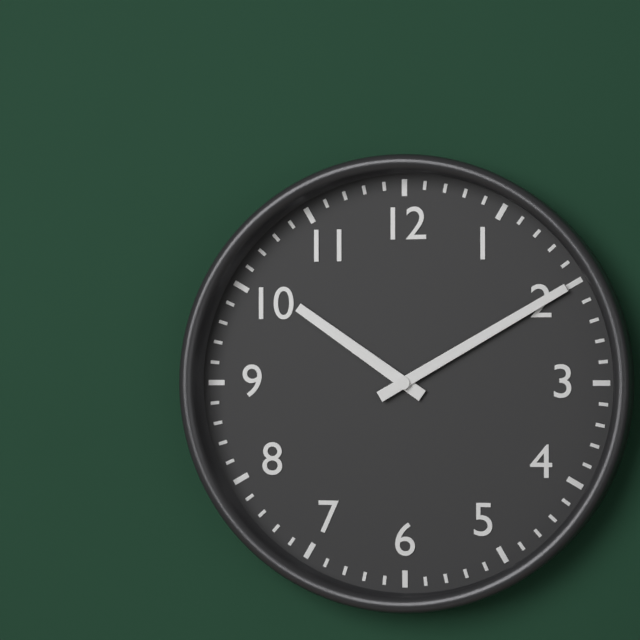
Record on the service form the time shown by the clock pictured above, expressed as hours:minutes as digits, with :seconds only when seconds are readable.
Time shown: 10:10
